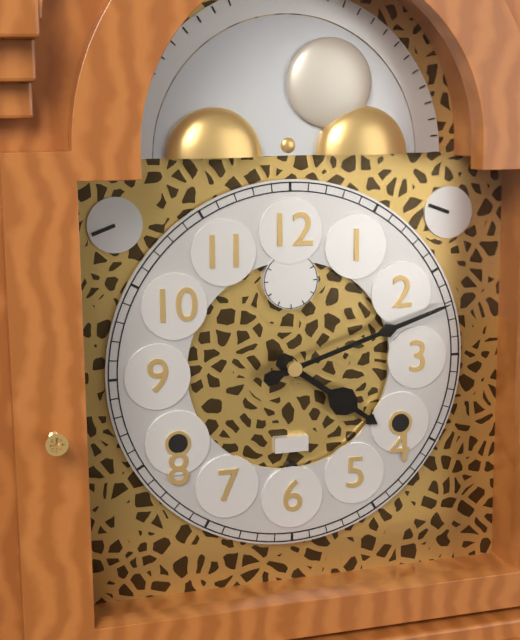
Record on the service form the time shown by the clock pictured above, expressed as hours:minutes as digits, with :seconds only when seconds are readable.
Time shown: 4:12
